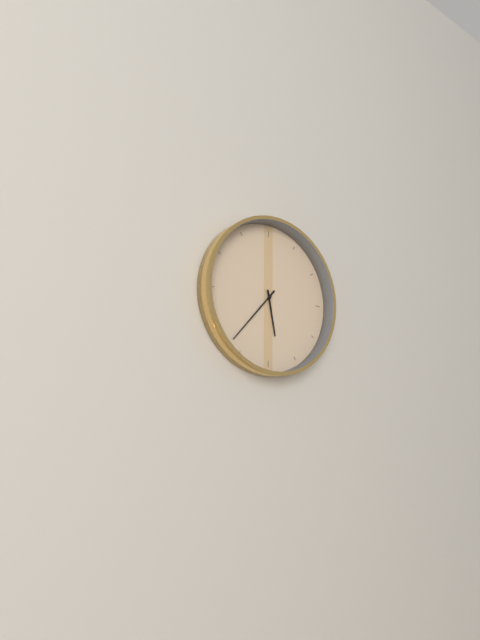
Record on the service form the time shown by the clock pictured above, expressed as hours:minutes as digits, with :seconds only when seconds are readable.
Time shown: 5:37
